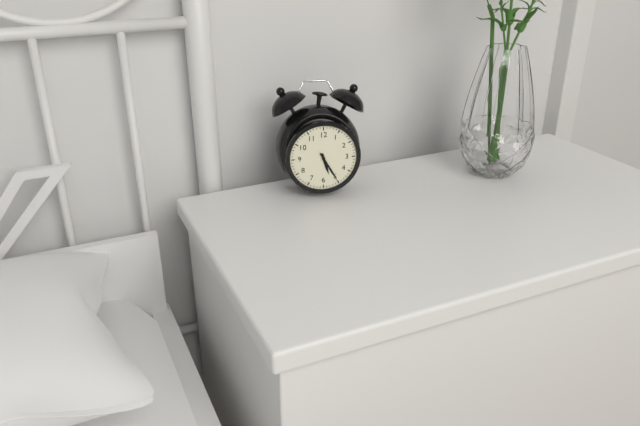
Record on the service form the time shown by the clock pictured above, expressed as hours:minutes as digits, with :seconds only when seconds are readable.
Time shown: 5:25
